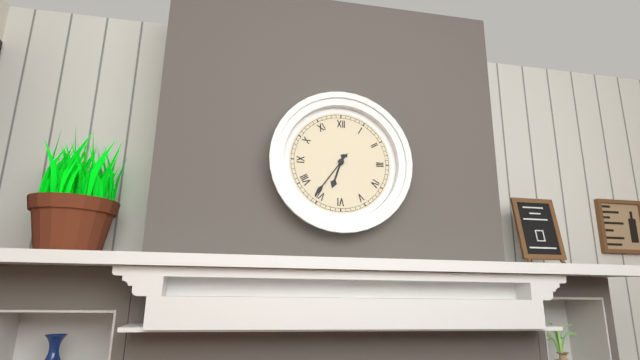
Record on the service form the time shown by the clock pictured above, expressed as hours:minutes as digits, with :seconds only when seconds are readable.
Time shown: 6:36
